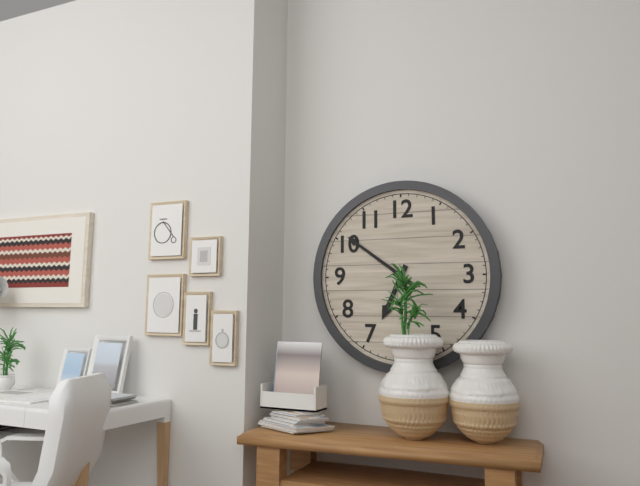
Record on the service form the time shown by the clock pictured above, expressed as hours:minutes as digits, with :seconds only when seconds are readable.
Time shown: 6:51
